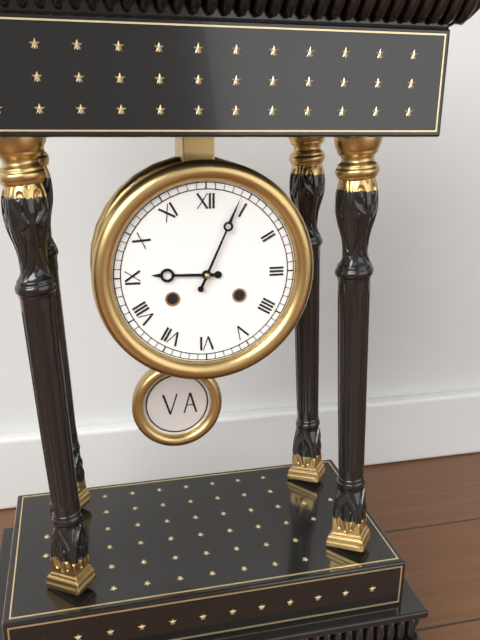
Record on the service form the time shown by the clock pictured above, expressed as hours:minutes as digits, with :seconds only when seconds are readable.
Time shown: 9:04
